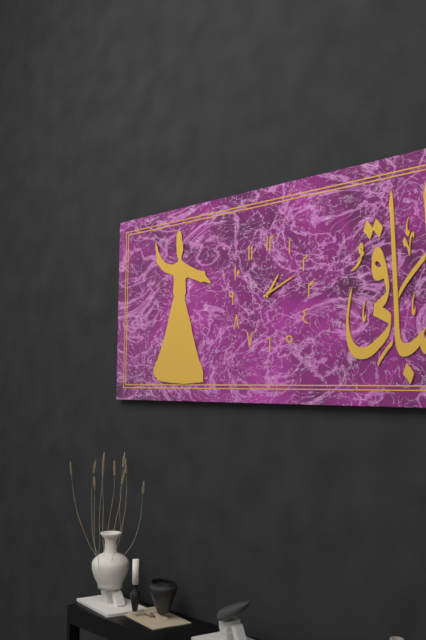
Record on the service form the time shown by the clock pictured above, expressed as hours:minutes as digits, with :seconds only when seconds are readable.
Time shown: 1:11
